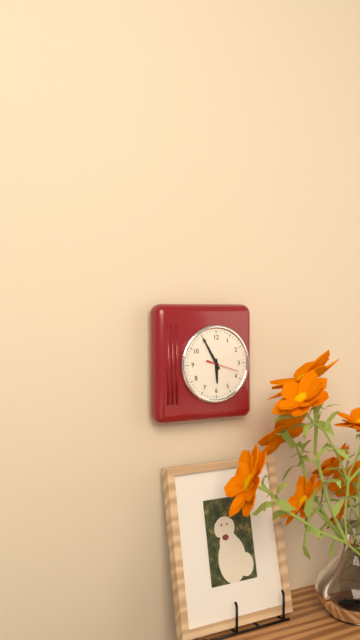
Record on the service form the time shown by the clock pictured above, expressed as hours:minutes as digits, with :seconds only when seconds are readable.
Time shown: 5:55
